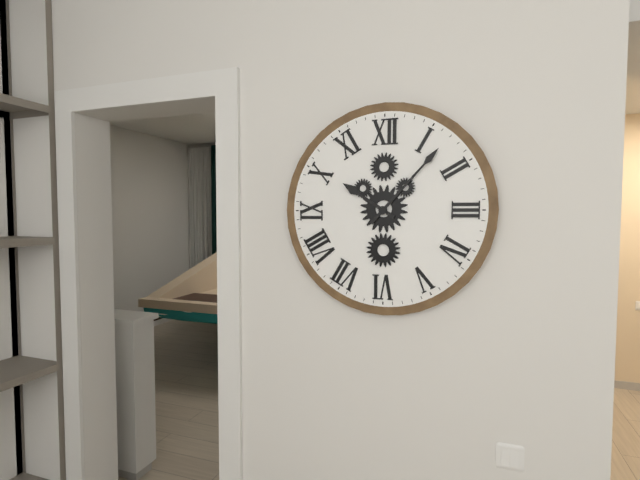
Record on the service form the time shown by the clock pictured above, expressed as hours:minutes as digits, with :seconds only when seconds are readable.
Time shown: 10:07
